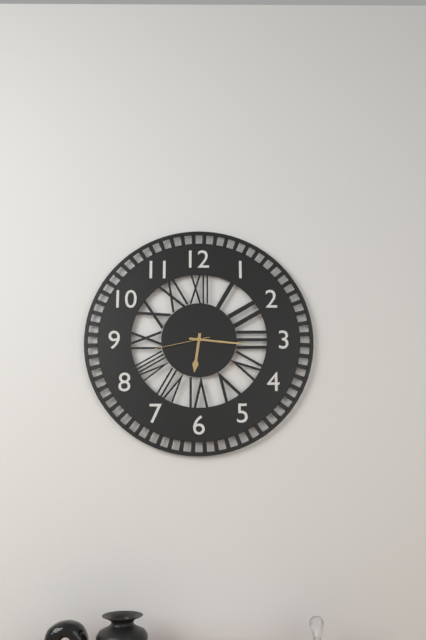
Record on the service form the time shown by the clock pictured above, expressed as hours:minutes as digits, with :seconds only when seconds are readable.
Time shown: 6:16:43
